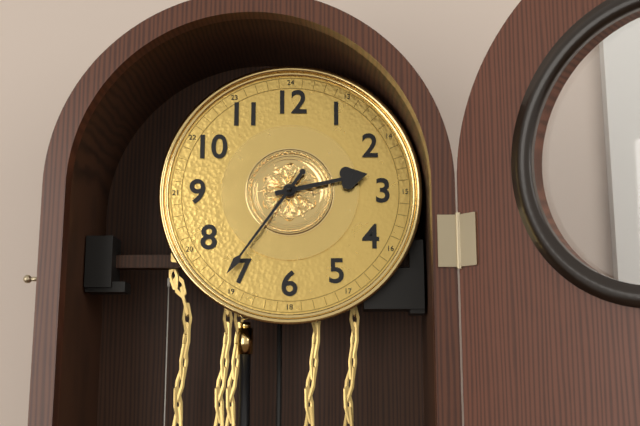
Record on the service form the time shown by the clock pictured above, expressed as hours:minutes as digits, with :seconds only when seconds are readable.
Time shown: 2:36
